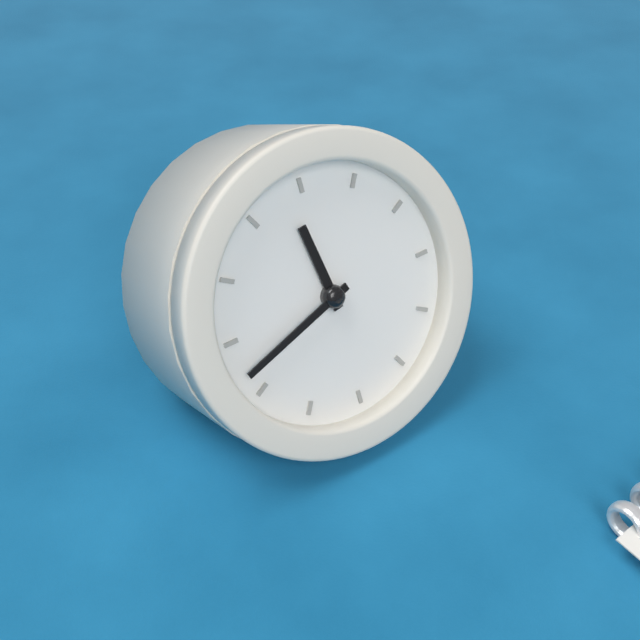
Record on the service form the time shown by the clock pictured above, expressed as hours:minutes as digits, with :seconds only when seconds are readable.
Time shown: 11:42
